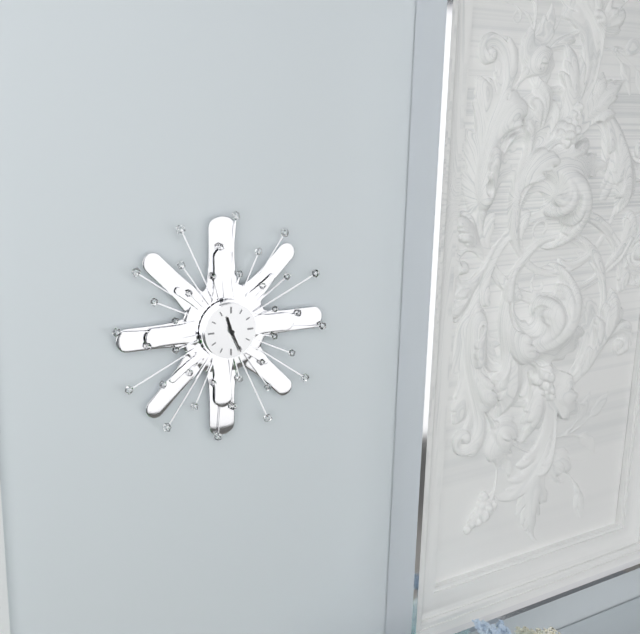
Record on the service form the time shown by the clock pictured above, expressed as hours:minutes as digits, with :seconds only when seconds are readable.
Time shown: 11:26
